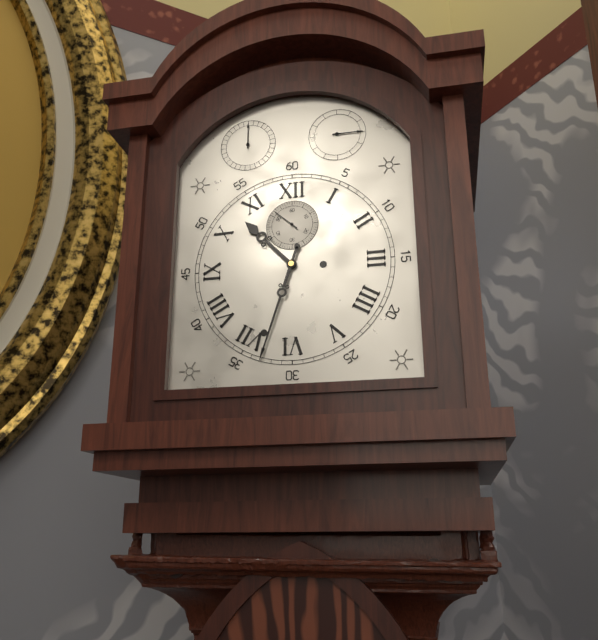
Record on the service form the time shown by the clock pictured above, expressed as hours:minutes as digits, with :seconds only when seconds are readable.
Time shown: 10:33
